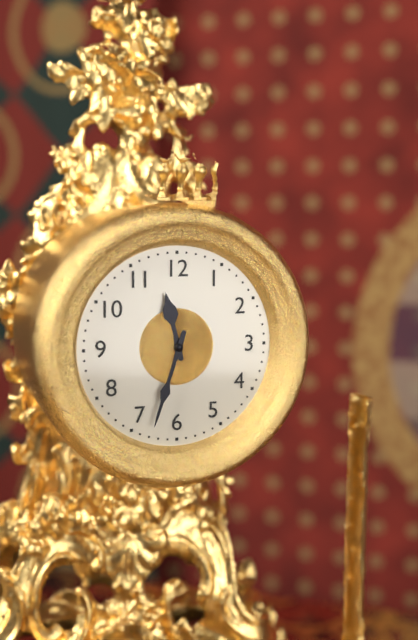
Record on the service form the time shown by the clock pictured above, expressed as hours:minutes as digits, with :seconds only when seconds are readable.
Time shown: 11:33
